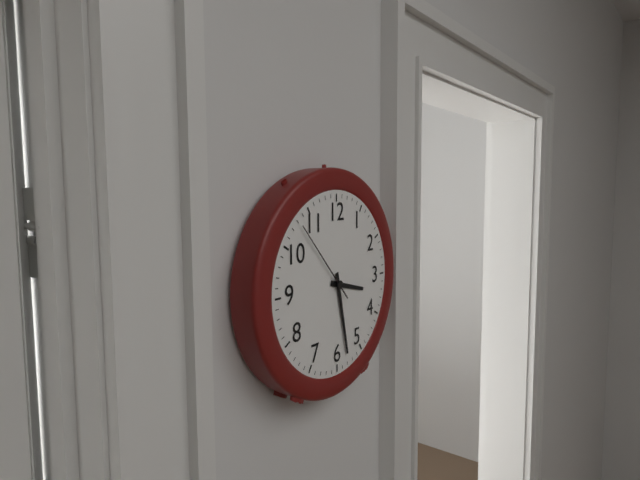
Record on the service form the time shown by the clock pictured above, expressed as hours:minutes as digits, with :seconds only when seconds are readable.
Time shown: 3:28:53
